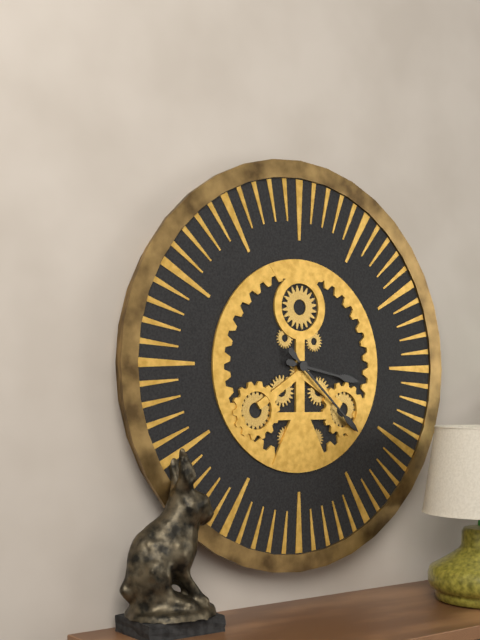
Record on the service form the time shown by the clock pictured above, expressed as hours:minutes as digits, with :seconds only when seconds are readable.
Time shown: 3:22
